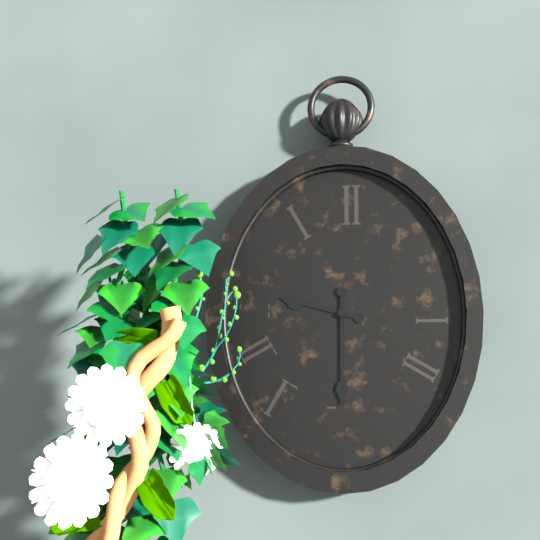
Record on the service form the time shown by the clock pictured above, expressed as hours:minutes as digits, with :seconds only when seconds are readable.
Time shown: 9:30
